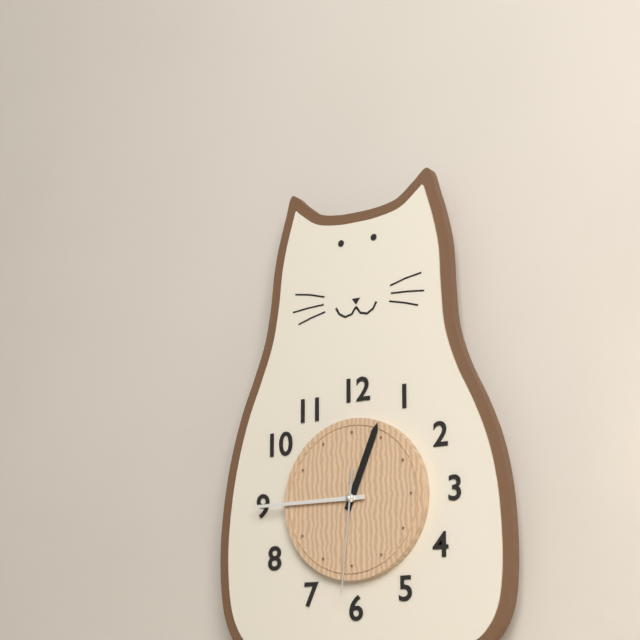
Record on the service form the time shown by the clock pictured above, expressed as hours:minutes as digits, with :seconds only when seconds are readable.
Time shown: 12:45:31
